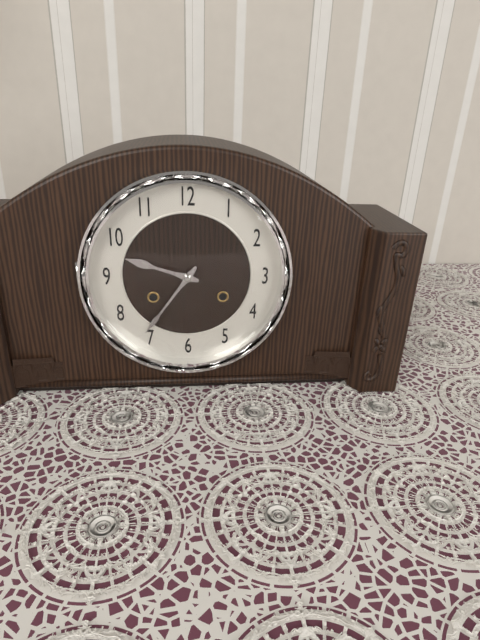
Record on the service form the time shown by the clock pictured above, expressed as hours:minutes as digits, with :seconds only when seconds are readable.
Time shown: 9:36
